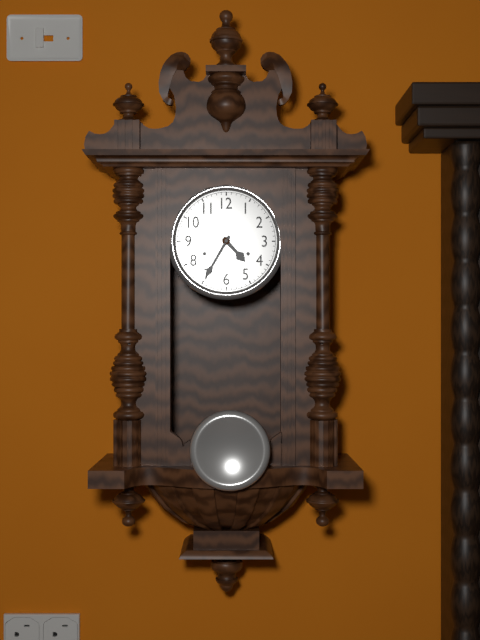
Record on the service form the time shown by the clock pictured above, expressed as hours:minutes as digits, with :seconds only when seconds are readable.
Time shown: 4:35
